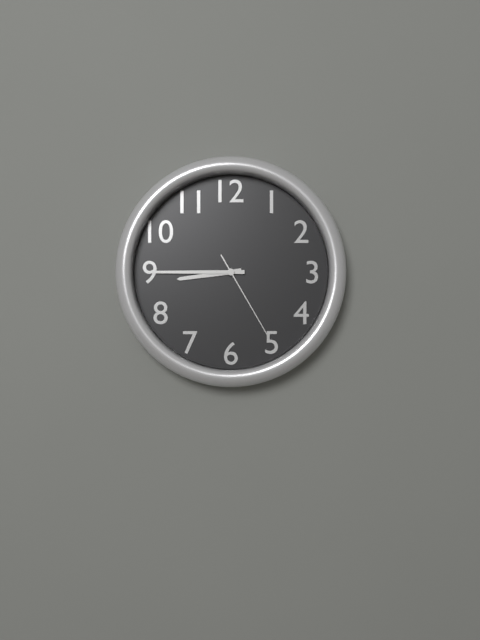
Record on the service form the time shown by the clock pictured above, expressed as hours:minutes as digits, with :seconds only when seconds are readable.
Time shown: 8:45:25
